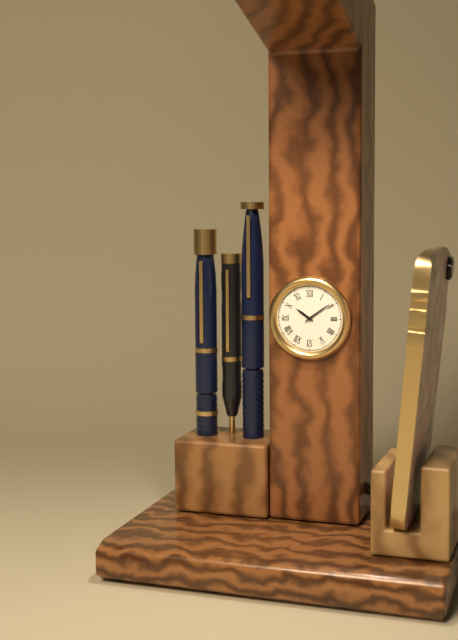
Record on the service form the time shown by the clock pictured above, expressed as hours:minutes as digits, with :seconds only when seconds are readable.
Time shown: 10:09
